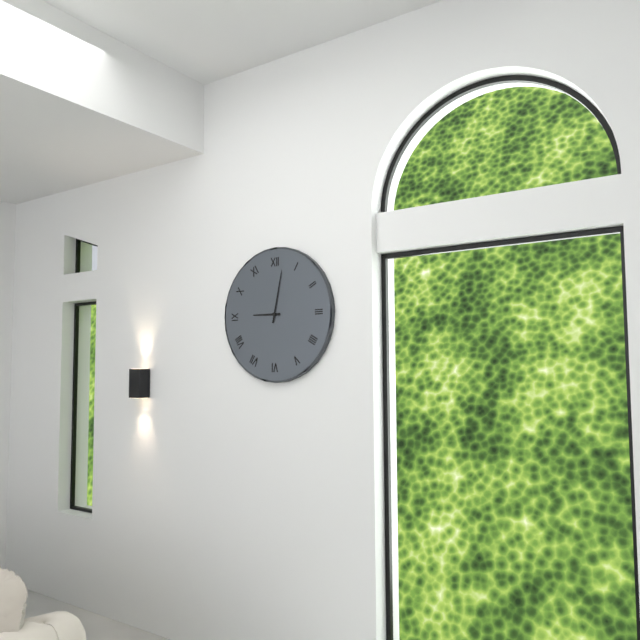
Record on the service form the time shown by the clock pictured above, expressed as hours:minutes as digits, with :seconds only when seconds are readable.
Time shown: 9:02
